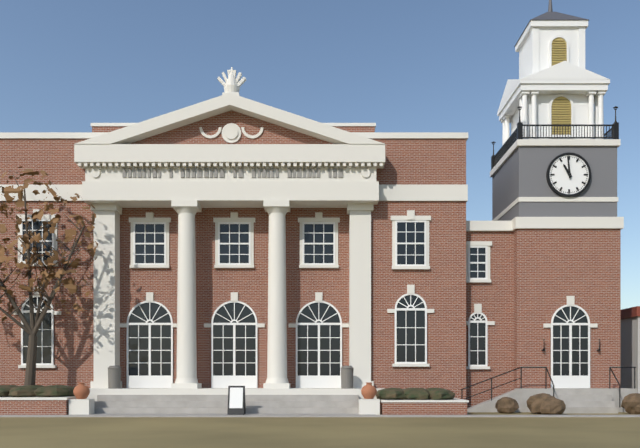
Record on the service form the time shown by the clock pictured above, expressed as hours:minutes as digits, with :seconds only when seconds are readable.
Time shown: 10:59
